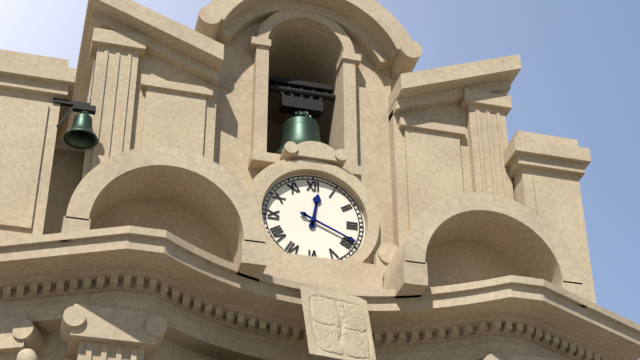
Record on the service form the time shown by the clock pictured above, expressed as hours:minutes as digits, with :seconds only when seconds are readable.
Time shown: 12:19
